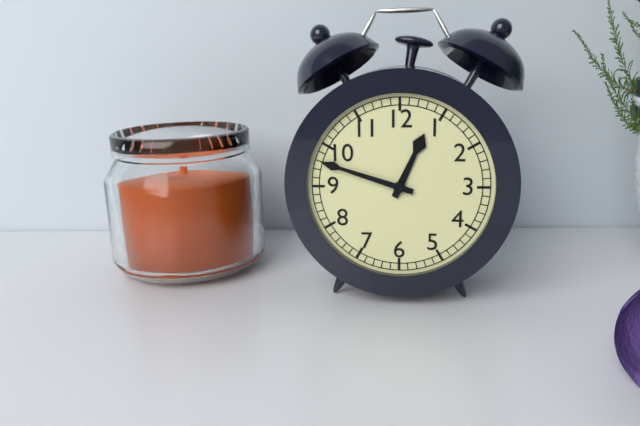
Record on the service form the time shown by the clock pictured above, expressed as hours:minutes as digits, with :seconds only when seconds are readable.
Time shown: 12:48
